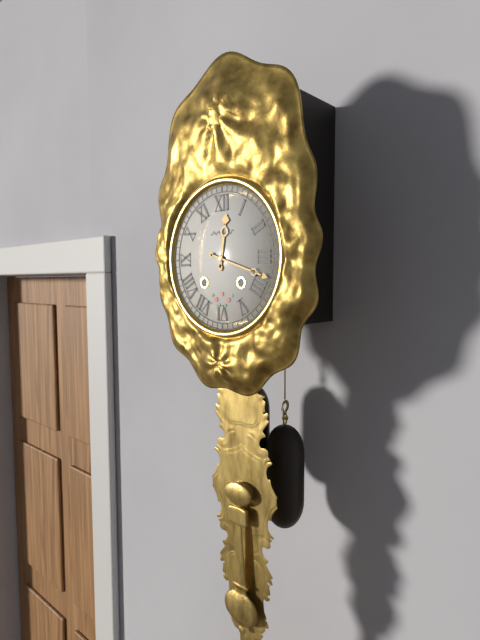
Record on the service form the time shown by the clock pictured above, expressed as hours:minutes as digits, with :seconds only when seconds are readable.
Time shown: 12:18
